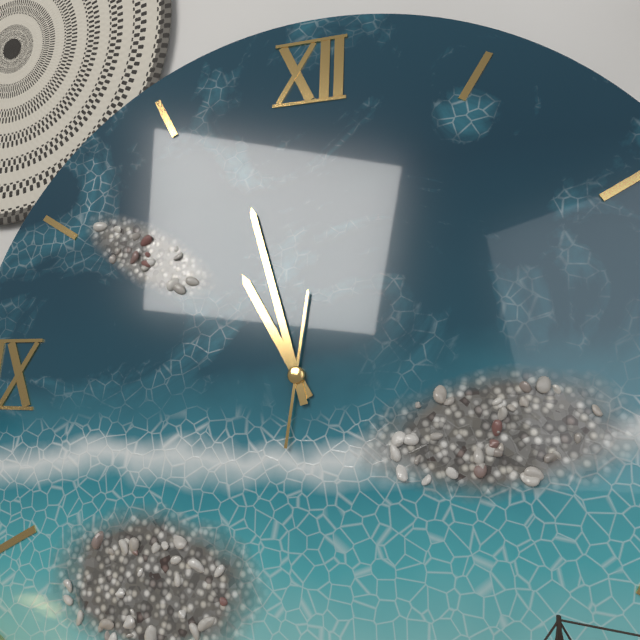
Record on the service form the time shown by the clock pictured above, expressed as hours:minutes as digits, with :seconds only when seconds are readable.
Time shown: 10:57:01
